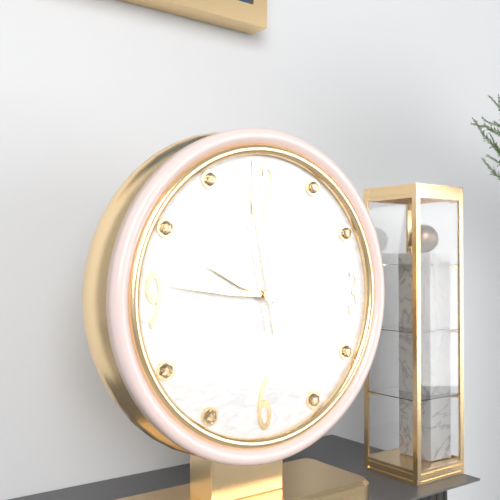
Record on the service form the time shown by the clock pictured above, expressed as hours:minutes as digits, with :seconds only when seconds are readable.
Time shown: 9:46:58
